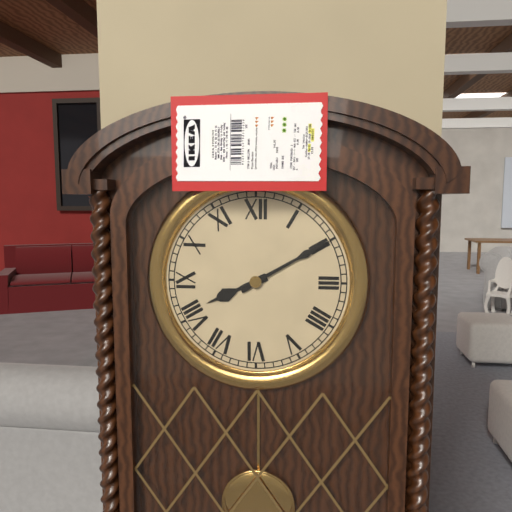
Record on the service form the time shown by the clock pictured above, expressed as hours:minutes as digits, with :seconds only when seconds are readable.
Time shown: 8:10
